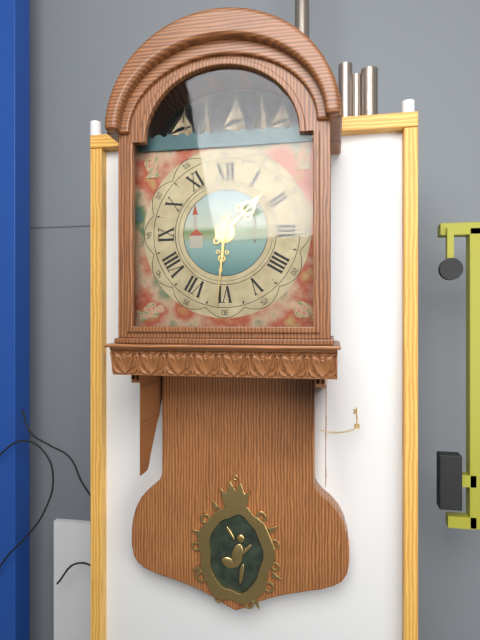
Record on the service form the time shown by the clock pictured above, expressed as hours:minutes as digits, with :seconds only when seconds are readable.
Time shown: 1:31
